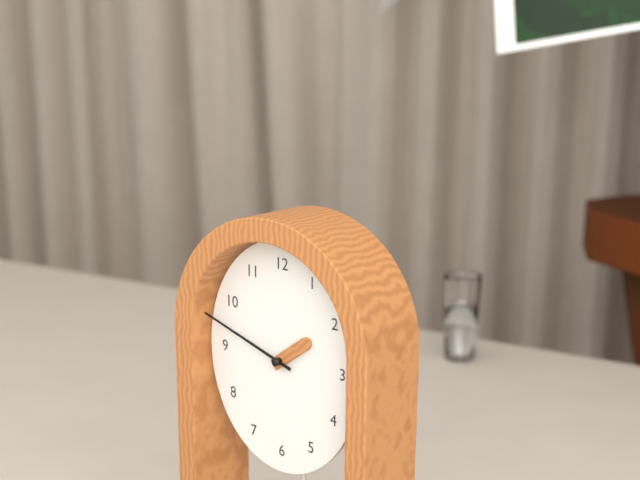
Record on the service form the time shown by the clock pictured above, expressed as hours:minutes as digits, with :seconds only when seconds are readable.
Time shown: 1:48
